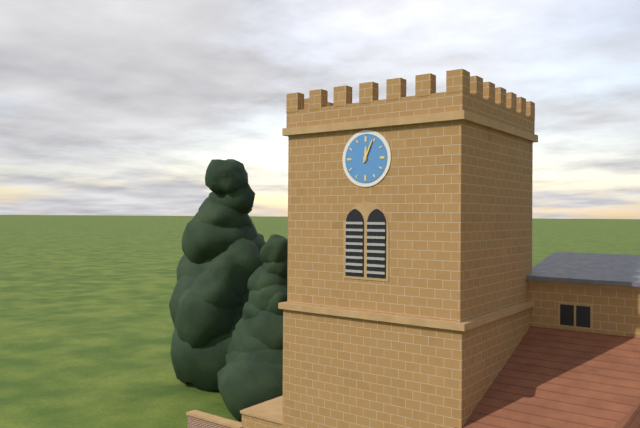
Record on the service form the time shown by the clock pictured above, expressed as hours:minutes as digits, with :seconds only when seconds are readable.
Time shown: 12:04
